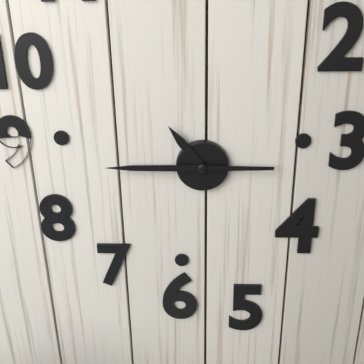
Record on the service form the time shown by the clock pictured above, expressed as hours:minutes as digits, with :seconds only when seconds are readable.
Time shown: 10:45
